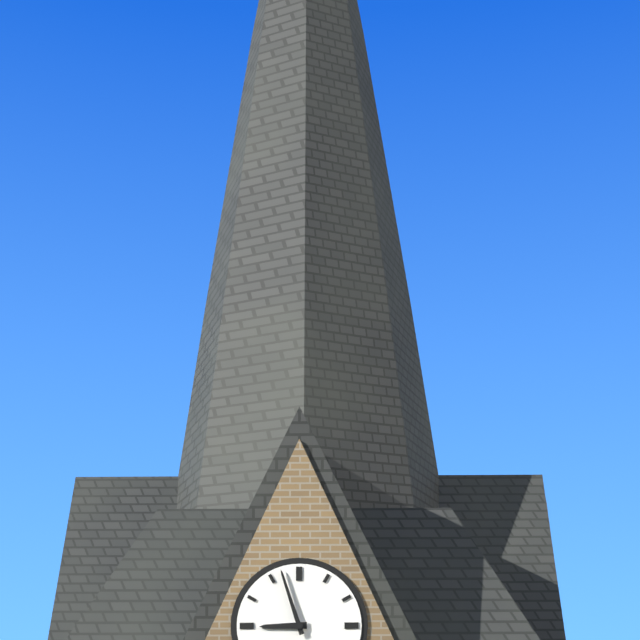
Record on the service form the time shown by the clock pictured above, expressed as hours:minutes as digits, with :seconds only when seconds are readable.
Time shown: 8:57
